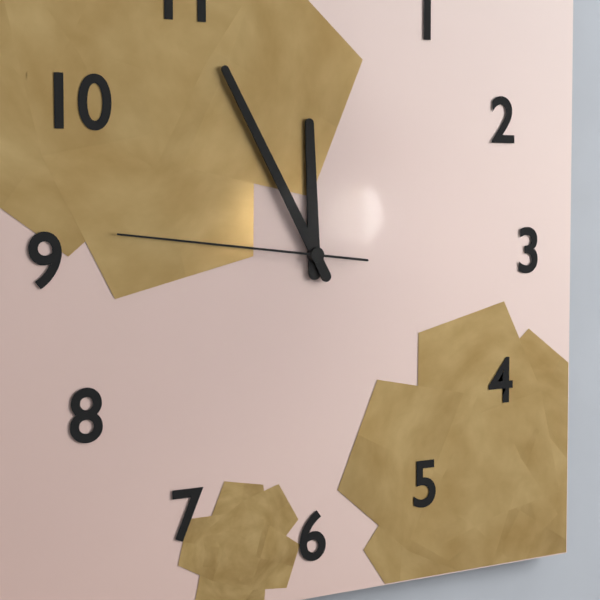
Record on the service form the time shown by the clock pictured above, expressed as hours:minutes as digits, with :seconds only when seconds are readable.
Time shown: 11:55:46
